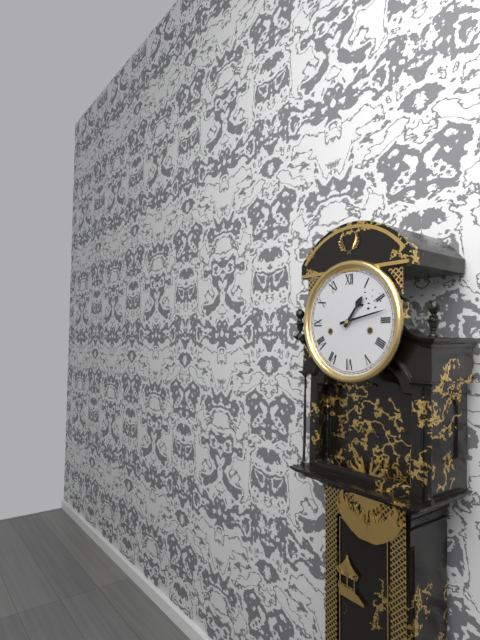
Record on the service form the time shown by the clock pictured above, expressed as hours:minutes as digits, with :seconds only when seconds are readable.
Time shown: 1:13
